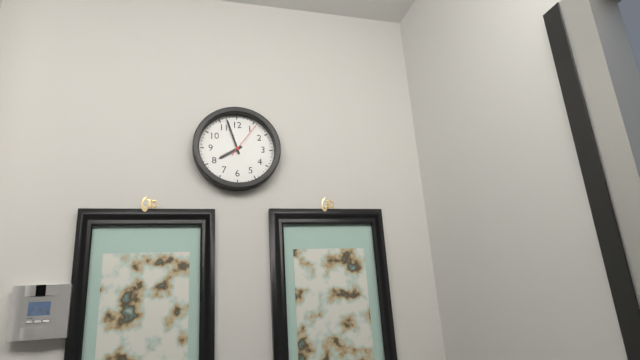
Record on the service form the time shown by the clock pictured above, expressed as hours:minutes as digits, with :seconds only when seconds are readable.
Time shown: 7:57
